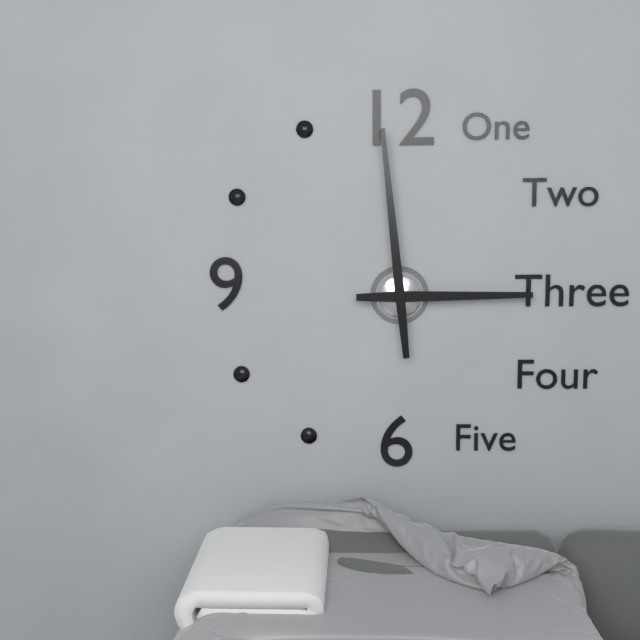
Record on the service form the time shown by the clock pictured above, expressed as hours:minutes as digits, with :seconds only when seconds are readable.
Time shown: 2:59
